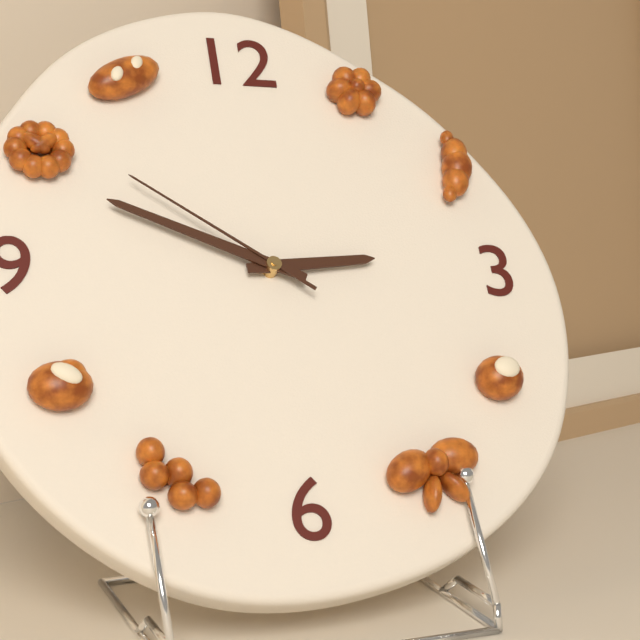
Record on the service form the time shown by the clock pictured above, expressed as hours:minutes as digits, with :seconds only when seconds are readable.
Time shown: 2:49:51
